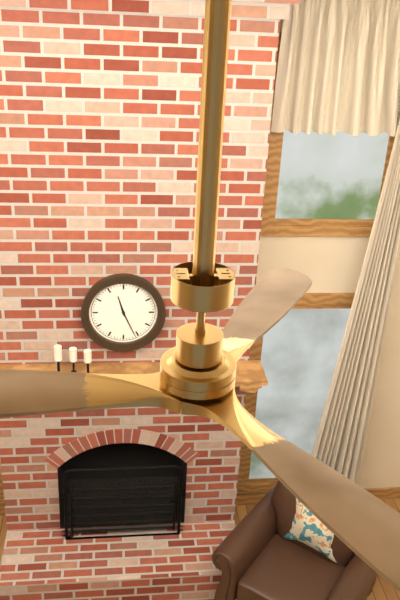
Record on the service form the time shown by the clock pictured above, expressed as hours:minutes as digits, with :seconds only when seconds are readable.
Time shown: 11:26
